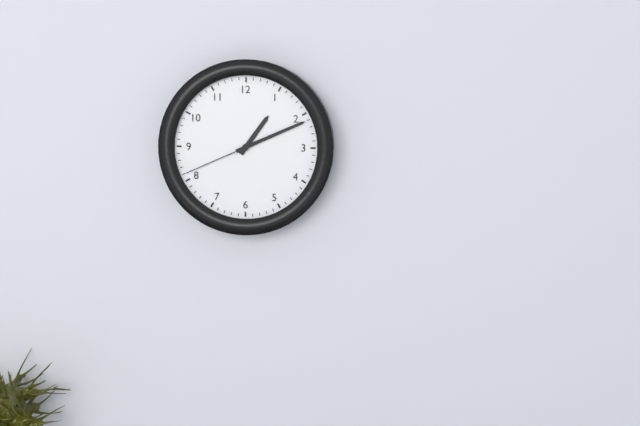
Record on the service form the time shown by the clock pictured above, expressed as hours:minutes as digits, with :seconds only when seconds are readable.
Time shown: 1:11:41
